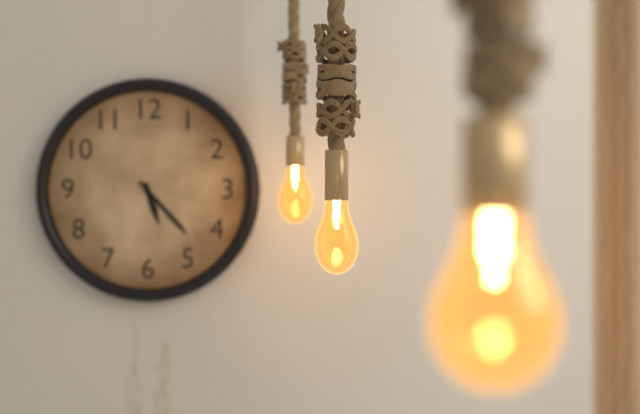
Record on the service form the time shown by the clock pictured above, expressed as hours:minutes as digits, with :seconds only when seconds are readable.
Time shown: 5:23
